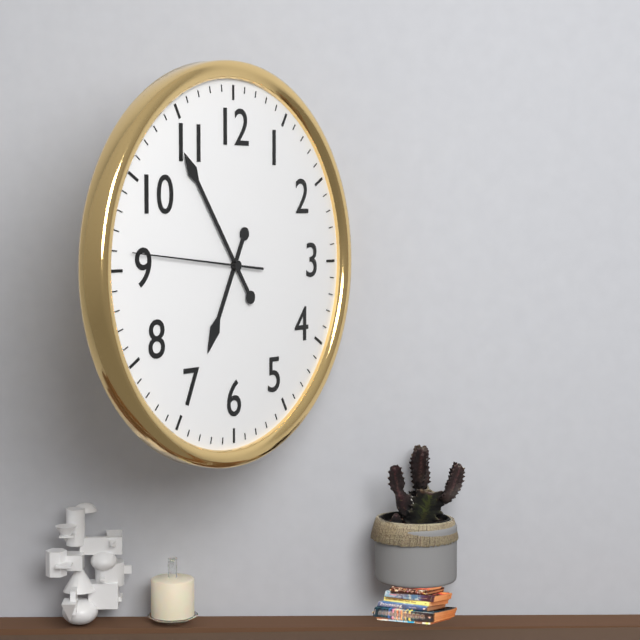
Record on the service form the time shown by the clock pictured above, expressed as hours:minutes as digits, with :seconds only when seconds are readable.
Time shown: 6:54:46
